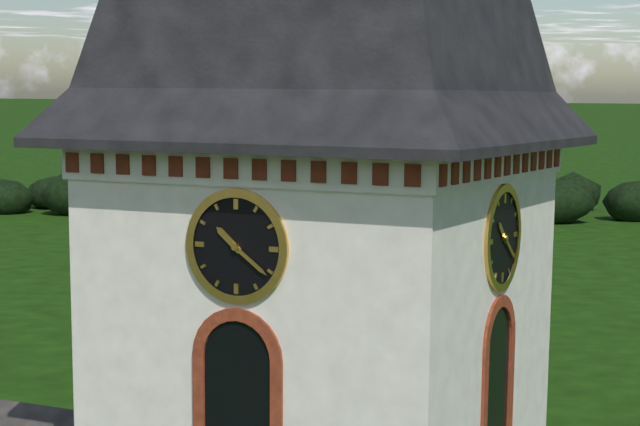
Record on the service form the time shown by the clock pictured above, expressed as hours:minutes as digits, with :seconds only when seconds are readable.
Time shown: 10:21
